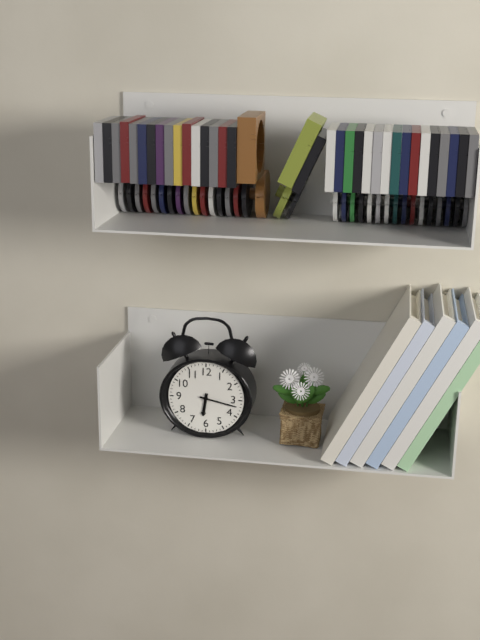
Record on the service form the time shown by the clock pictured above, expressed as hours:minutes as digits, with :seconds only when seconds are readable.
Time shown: 6:17
